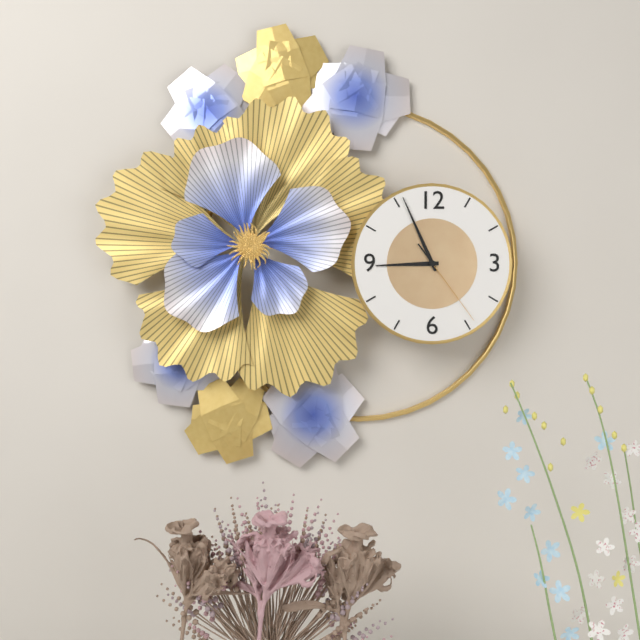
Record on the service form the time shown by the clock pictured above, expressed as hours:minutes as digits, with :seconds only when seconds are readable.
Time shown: 8:56:24
